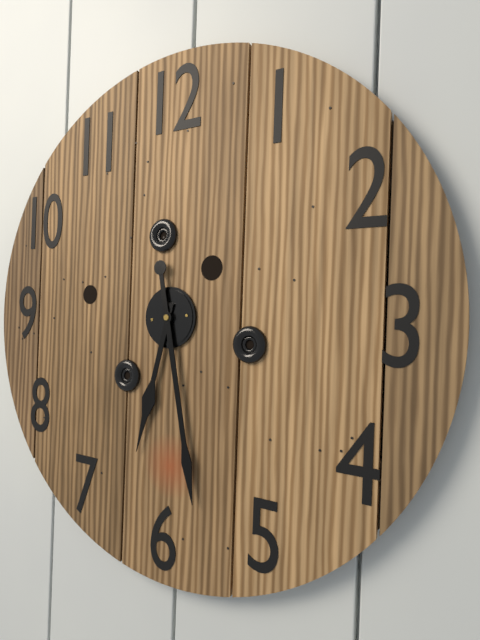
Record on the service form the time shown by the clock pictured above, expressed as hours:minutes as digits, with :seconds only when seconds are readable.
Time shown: 6:28
